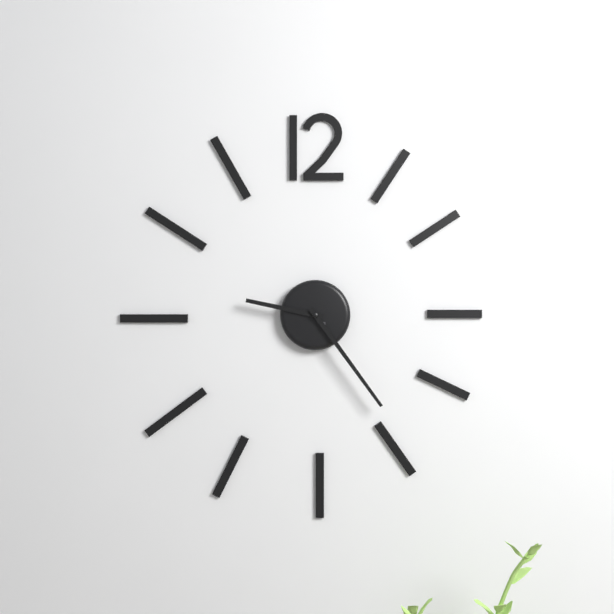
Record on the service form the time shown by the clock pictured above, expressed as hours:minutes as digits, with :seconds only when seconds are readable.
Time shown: 9:24
